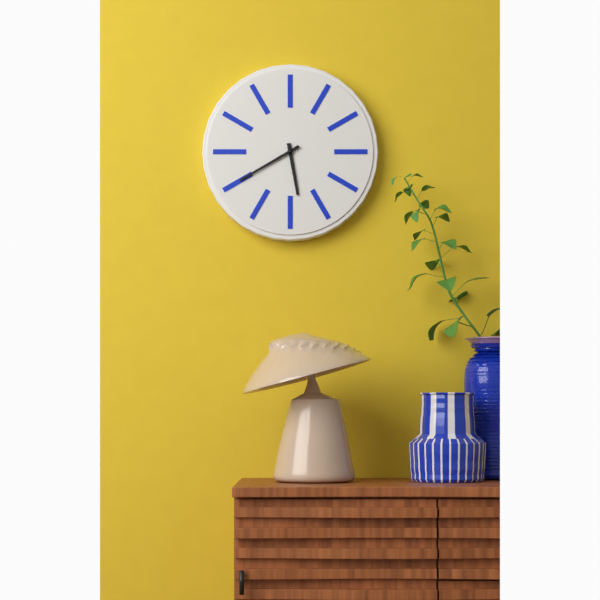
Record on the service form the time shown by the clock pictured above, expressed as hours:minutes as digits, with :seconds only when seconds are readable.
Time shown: 5:40
